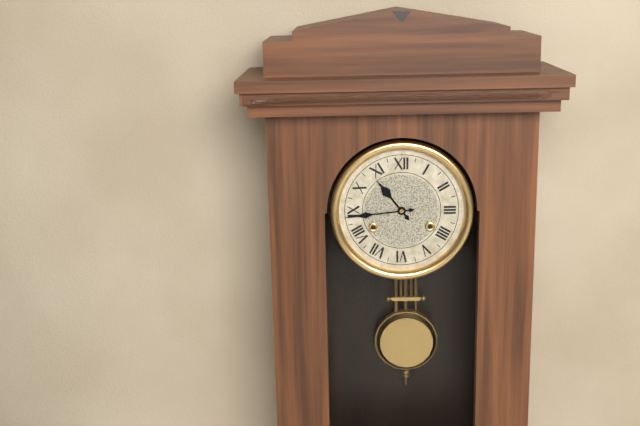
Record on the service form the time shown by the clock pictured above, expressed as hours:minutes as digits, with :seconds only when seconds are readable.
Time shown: 10:44
